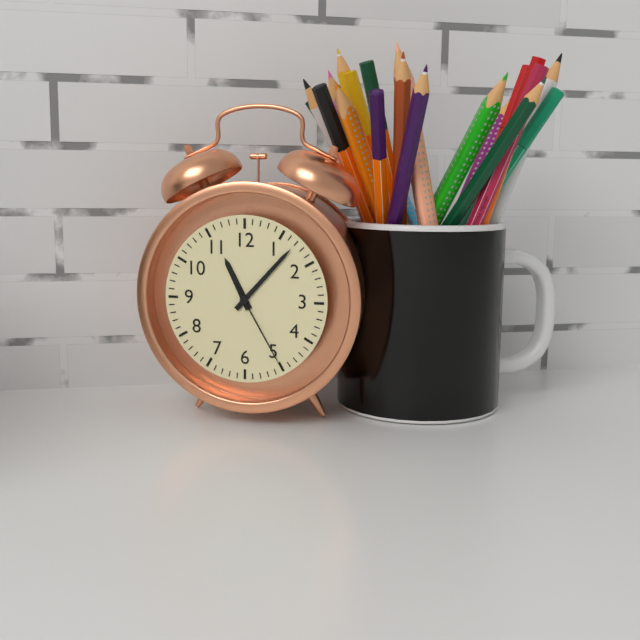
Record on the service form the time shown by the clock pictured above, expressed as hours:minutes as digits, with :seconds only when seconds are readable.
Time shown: 11:07:25
